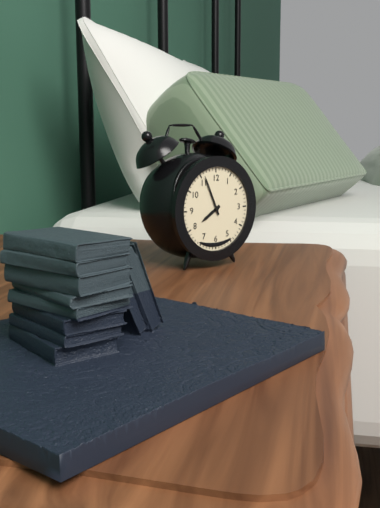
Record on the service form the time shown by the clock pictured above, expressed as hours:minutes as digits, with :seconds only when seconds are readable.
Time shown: 7:56
